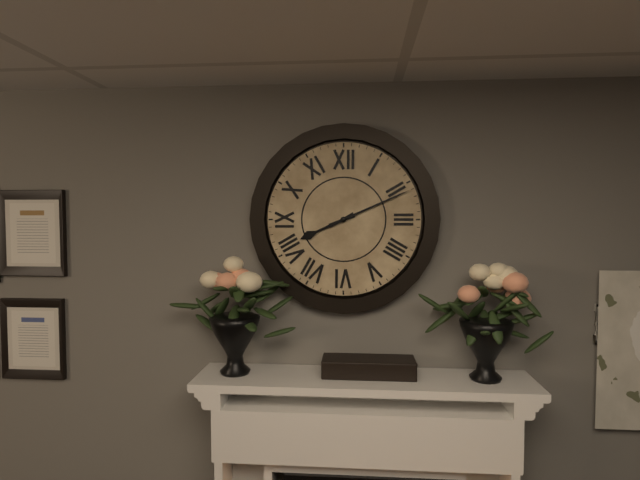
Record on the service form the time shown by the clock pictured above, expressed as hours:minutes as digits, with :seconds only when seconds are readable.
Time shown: 8:11
